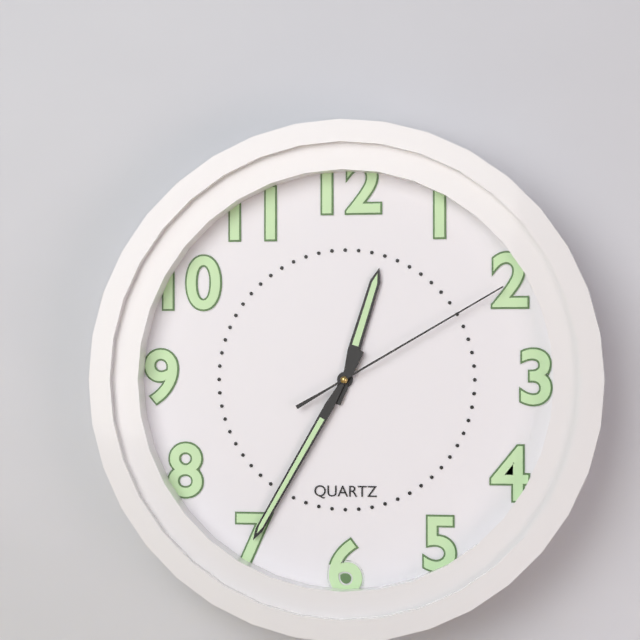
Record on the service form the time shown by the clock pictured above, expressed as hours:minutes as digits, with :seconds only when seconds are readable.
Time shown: 12:35:10
